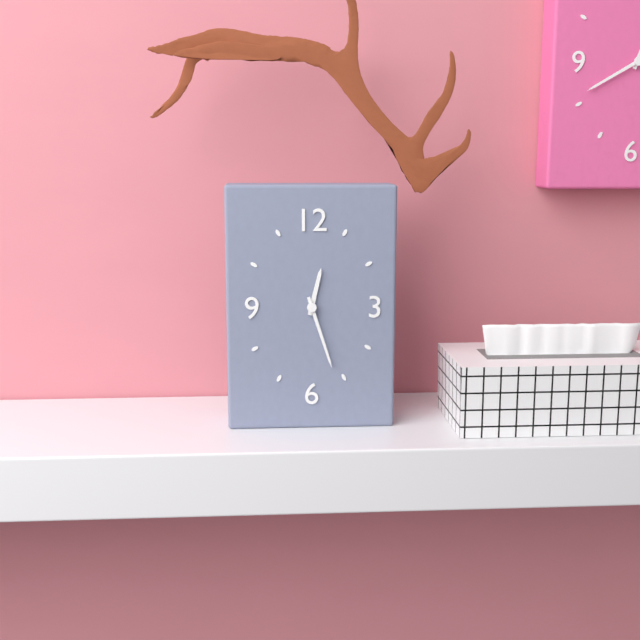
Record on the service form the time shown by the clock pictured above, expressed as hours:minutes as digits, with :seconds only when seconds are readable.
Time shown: 12:27
